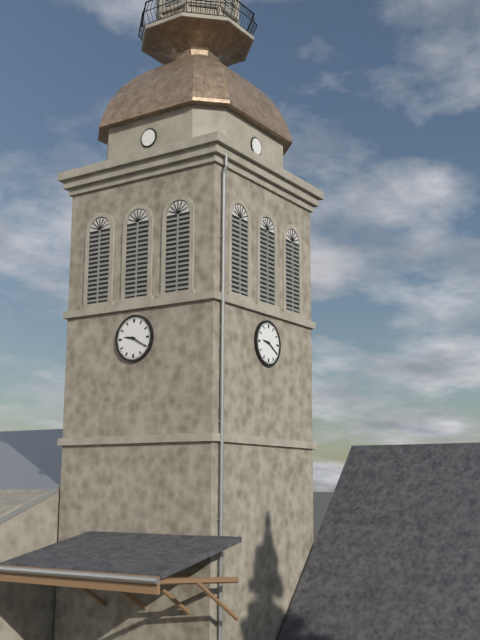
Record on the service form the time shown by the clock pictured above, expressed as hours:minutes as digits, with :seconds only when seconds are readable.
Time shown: 9:20
